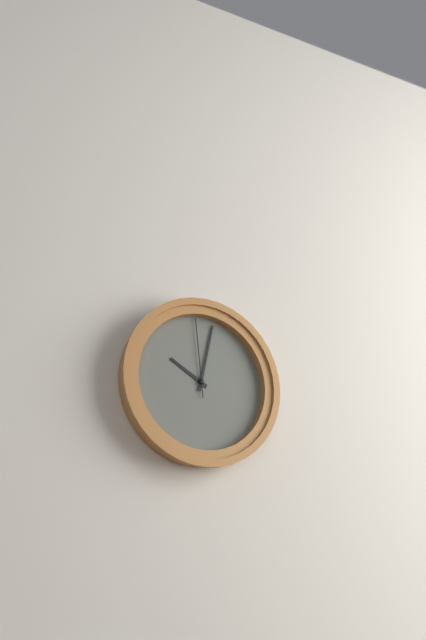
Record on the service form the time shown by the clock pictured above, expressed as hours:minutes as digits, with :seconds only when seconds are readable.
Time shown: 10:02:59
